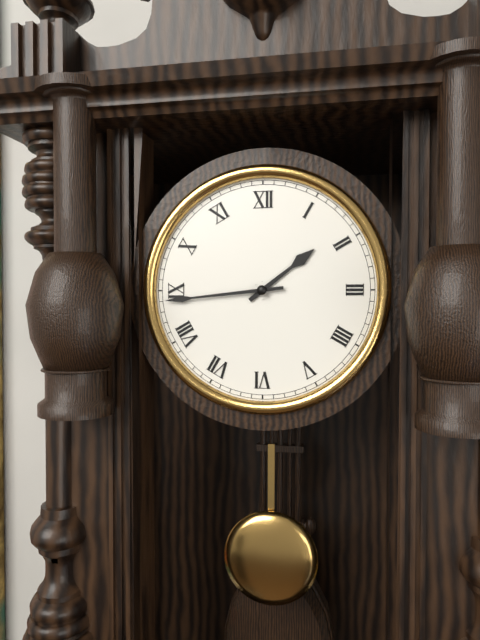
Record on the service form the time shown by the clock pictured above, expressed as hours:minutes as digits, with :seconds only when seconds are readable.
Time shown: 1:44
